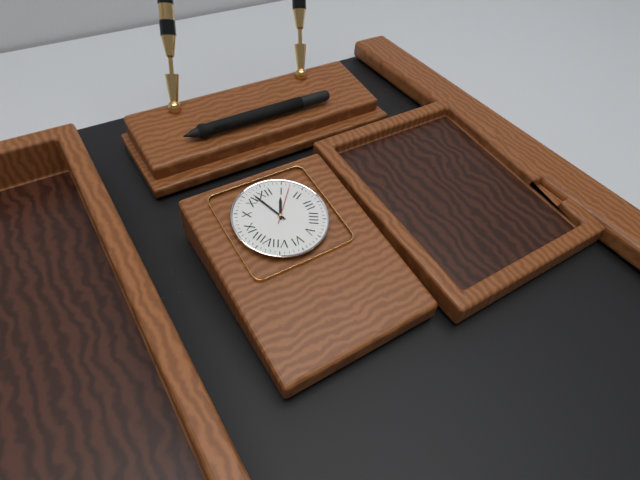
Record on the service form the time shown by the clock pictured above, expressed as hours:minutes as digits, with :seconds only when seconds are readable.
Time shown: 12:57
